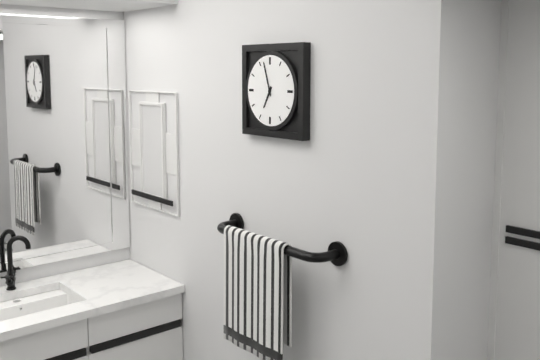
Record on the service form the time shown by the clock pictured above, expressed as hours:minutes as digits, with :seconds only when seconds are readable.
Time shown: 6:57
